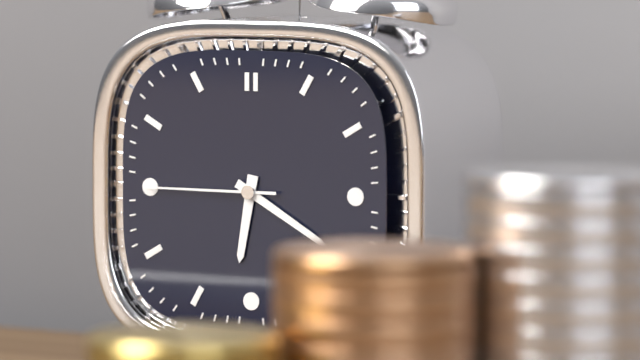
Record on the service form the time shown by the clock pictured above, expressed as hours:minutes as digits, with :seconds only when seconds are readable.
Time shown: 6:20:45
